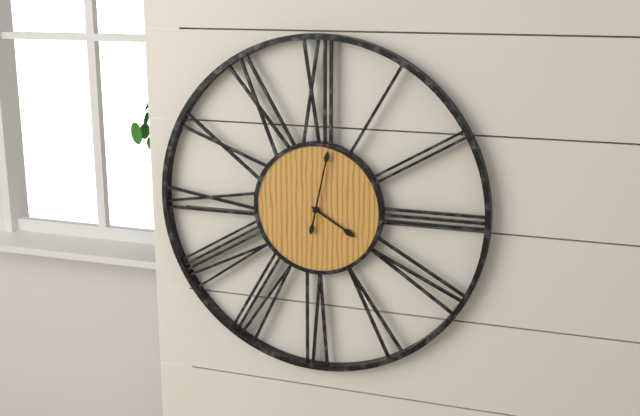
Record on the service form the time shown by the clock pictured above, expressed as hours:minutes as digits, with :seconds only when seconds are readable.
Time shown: 4:02
